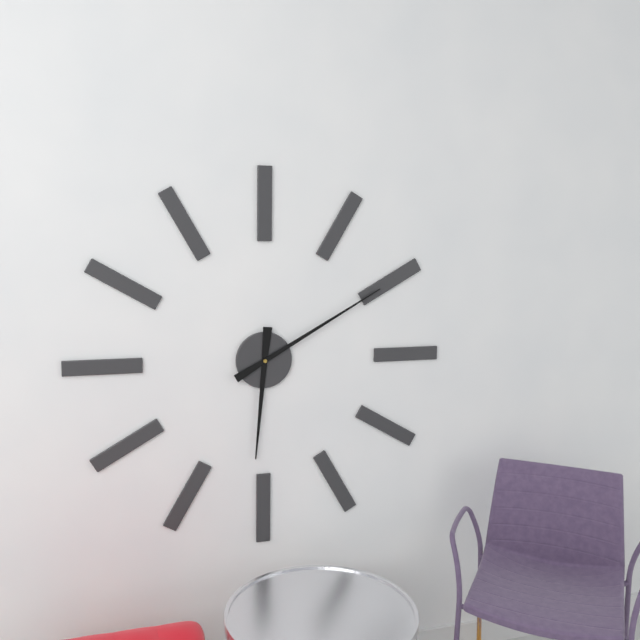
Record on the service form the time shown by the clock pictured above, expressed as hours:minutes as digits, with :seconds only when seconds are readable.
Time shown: 6:10
